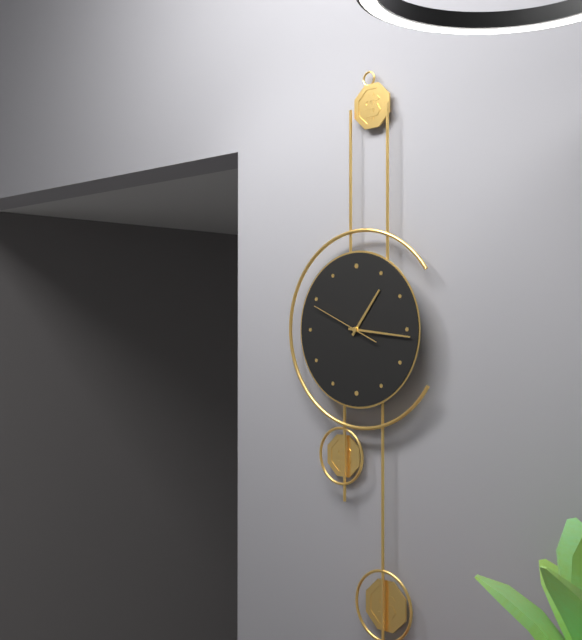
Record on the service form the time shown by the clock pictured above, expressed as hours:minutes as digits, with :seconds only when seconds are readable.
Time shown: 1:16:49
